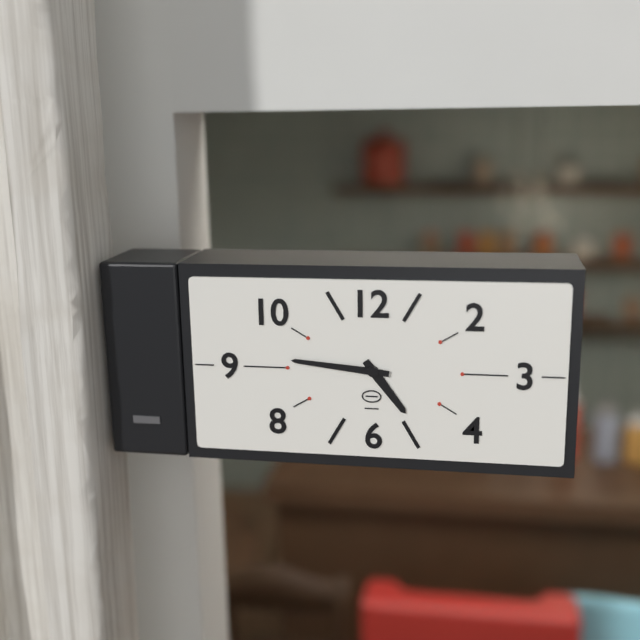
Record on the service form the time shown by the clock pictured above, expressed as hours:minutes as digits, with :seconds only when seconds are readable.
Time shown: 4:46
